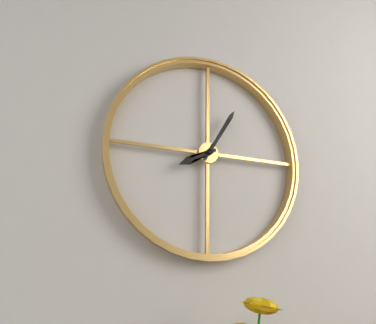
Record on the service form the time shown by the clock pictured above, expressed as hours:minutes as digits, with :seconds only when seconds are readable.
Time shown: 8:05
